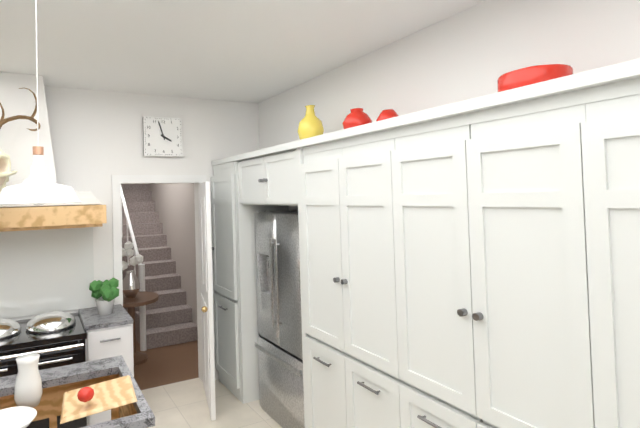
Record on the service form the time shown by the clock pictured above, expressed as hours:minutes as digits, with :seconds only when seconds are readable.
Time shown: 3:57
